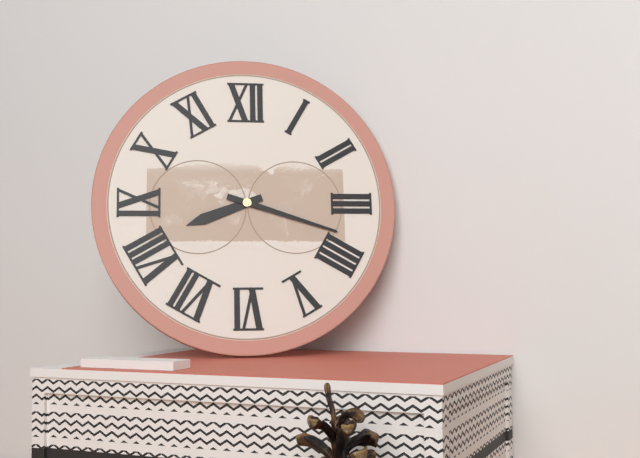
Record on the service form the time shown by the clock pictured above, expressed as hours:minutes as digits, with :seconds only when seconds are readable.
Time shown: 8:18
